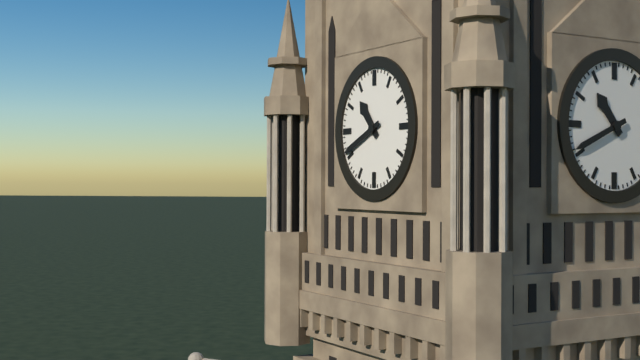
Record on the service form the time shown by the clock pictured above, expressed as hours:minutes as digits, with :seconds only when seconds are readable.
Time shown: 10:41
